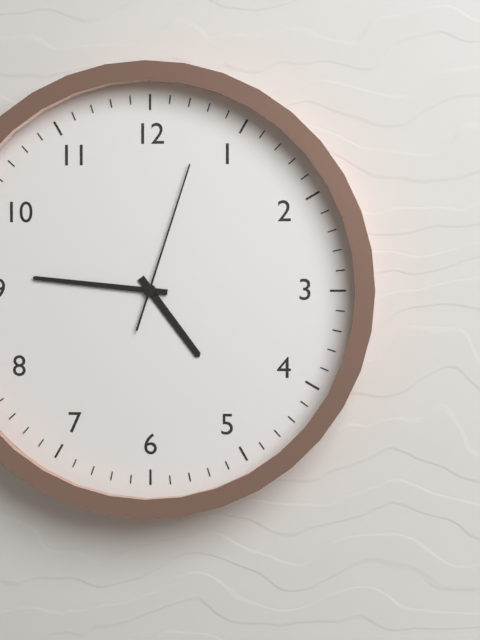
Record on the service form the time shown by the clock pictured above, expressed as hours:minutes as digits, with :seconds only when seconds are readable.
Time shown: 4:46:03
